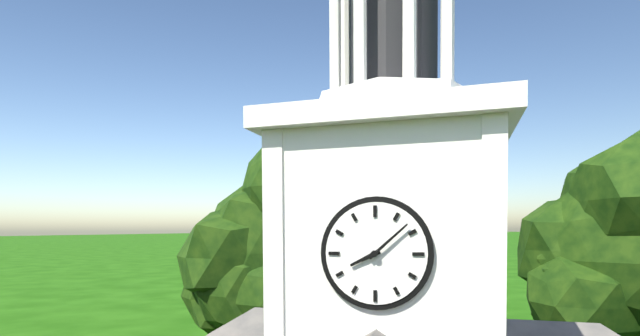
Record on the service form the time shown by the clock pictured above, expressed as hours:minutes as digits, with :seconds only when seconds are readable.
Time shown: 8:08
